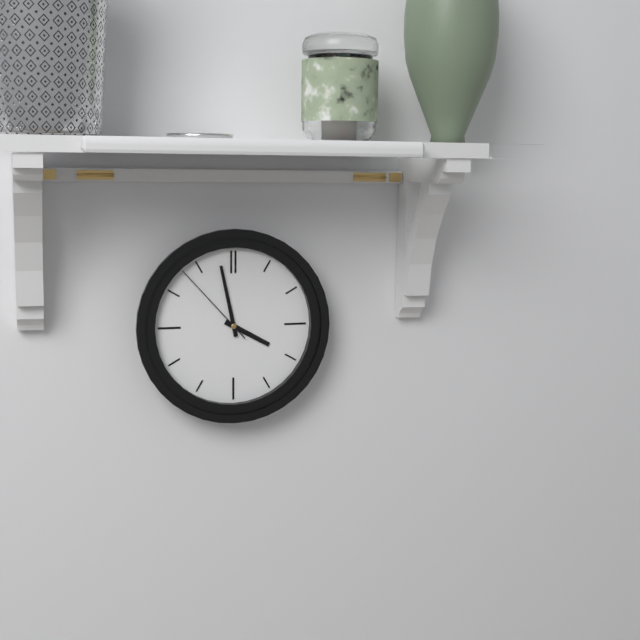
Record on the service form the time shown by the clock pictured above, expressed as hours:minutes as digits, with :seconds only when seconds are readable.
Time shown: 3:58:53
